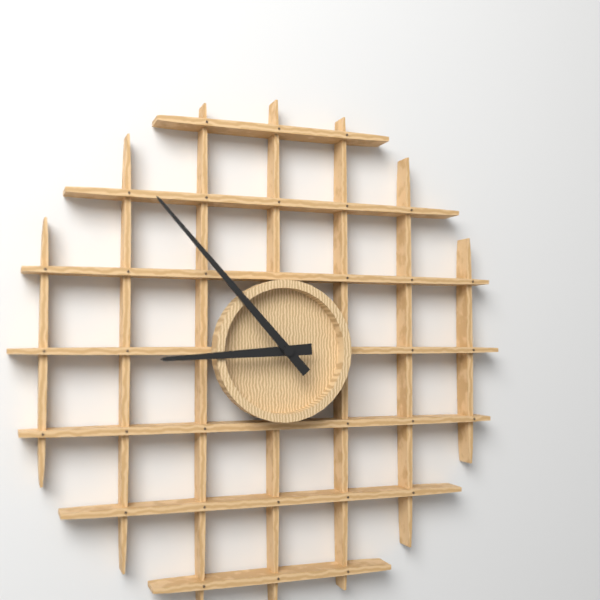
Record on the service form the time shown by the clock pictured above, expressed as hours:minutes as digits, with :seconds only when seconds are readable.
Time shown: 8:53
